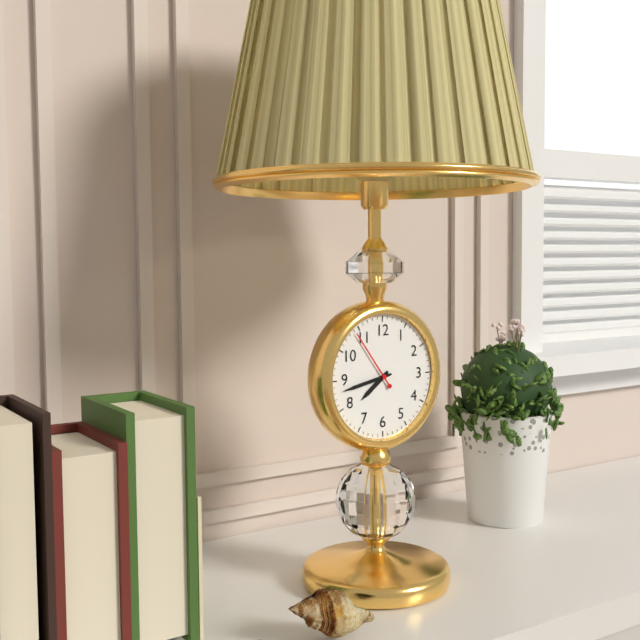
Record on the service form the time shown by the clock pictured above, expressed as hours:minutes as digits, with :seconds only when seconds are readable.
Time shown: 7:43:54
